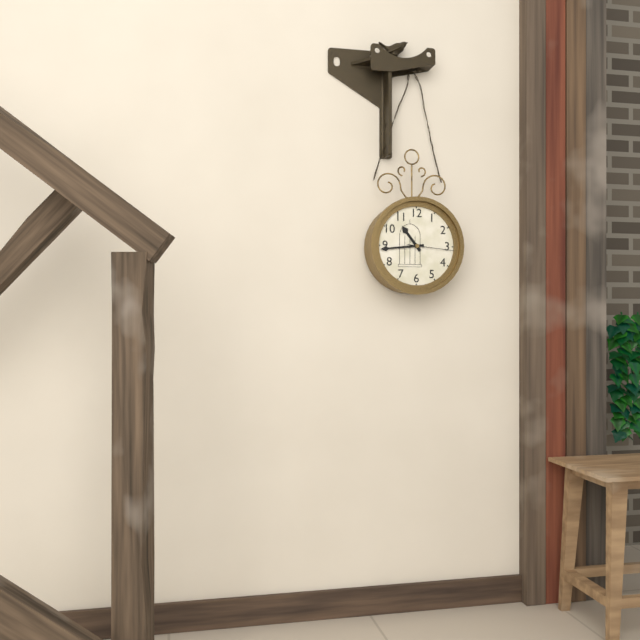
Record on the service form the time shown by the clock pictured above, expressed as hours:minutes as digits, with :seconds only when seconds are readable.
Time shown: 10:44:16
